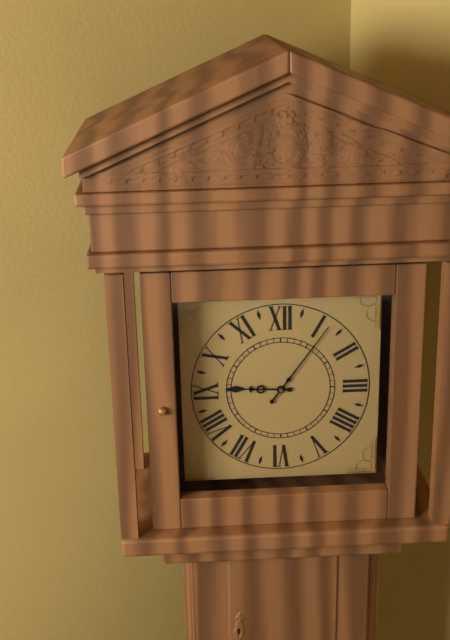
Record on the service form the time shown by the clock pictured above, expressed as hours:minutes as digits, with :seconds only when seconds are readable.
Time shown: 9:06
